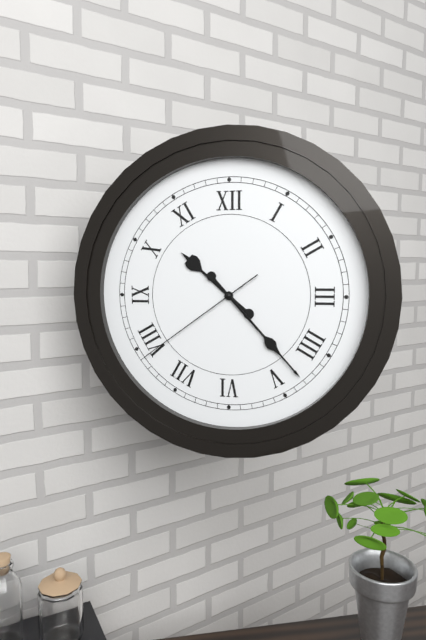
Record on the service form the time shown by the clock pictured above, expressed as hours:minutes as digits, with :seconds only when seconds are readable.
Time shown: 10:23:39
